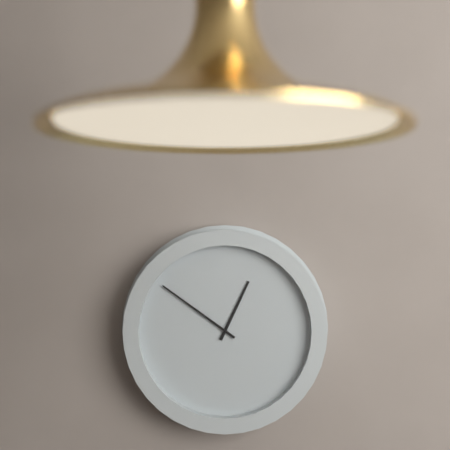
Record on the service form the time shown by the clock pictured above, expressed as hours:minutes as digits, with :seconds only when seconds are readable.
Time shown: 12:51
